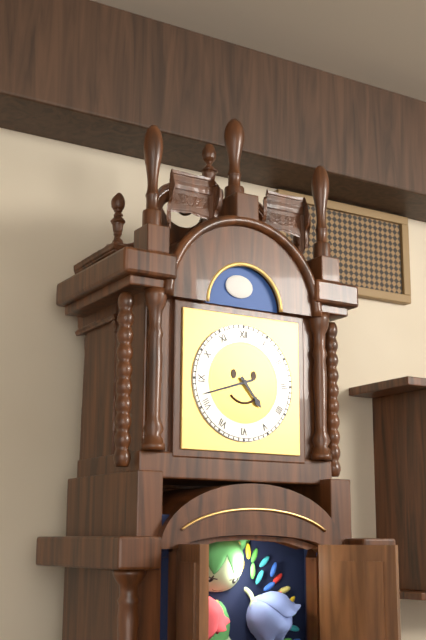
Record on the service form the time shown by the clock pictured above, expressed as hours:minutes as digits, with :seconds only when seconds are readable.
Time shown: 4:42
